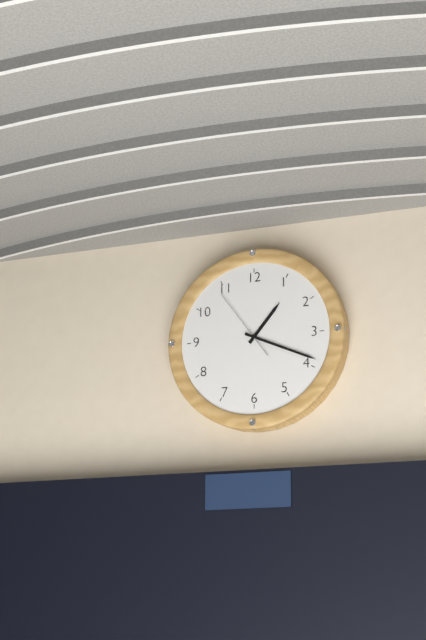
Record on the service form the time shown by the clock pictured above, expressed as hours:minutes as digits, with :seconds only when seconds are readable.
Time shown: 1:19:54
